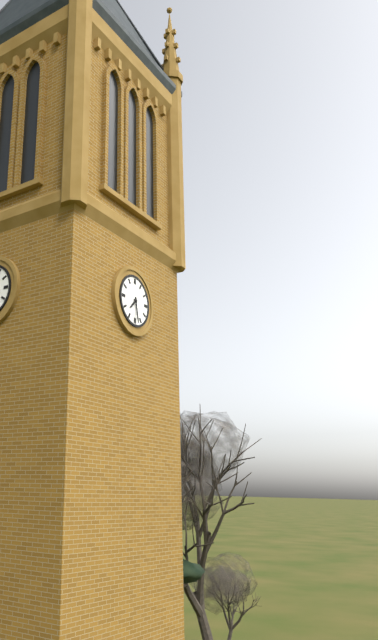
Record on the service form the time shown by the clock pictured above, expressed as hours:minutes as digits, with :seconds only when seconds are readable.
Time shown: 7:28
